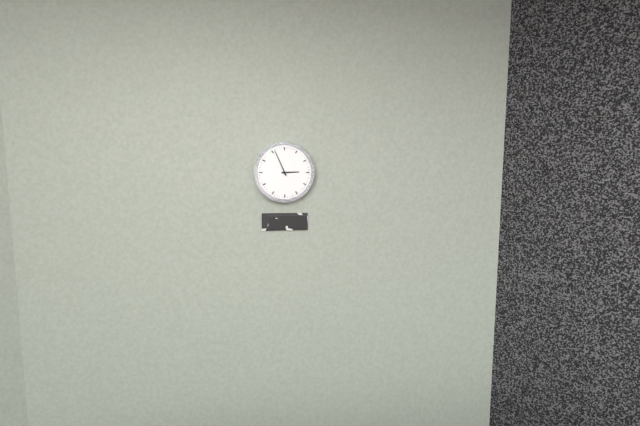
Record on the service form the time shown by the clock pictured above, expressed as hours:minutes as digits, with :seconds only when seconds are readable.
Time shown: 2:56
